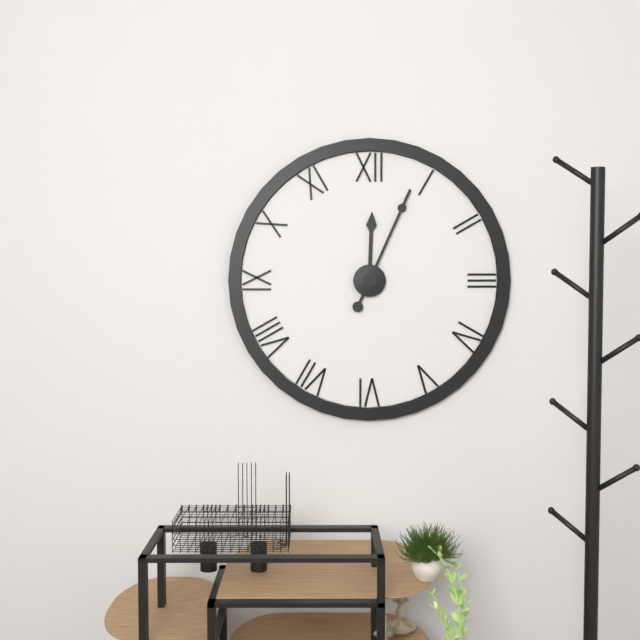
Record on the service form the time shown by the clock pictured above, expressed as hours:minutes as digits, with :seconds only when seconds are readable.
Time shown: 12:04
